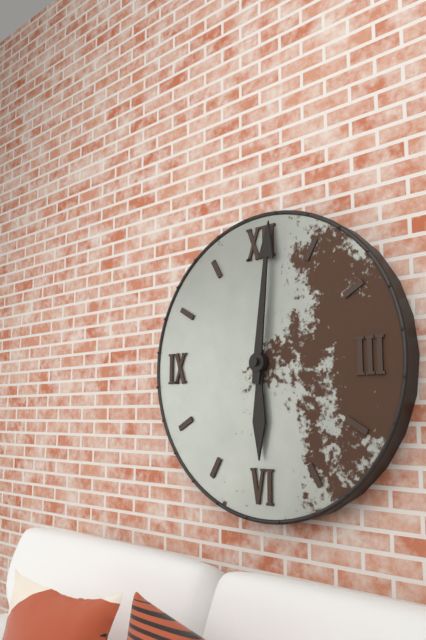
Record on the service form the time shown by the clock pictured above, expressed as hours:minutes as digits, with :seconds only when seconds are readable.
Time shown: 6:01
